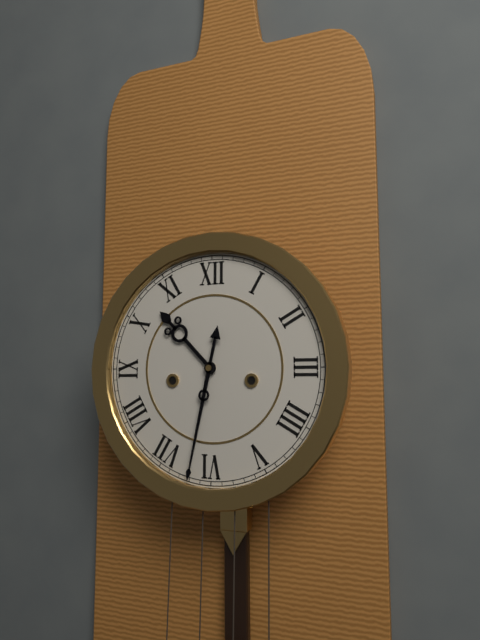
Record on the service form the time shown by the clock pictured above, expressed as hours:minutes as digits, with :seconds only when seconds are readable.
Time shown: 10:32
